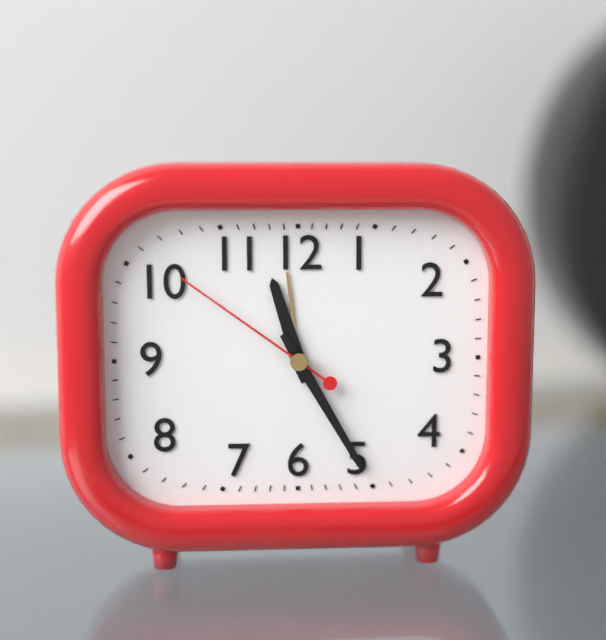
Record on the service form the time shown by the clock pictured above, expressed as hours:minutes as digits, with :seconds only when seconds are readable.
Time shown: 11:25:51
